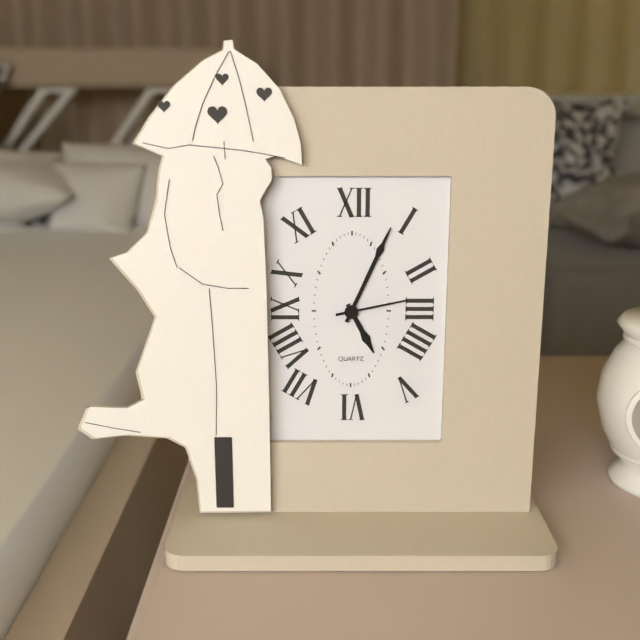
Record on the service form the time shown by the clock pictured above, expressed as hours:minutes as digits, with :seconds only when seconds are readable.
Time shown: 5:04:13
